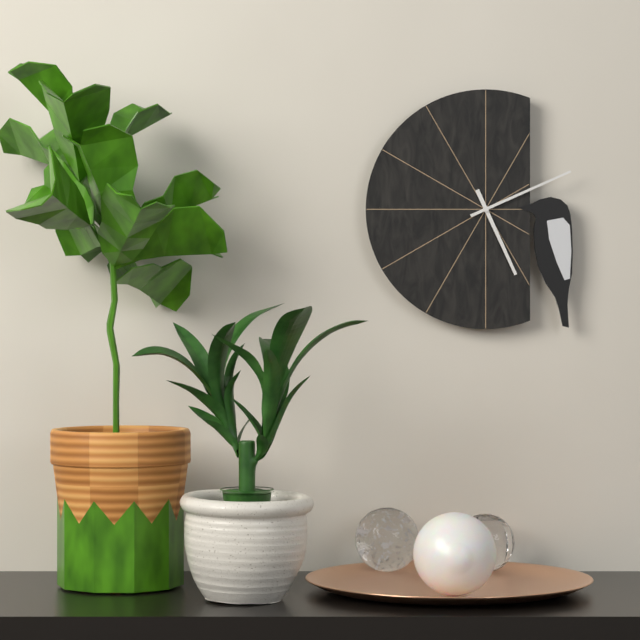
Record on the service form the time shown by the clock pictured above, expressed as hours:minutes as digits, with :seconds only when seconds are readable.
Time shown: 5:11
